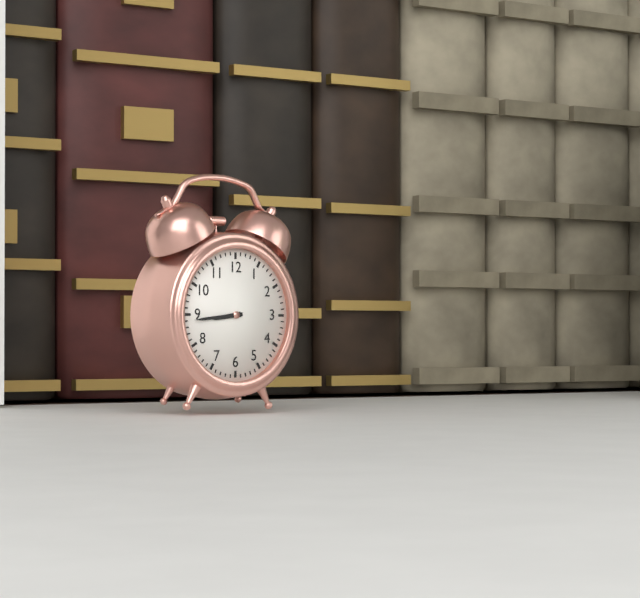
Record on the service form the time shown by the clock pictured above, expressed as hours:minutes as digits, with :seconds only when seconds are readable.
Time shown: 8:44
